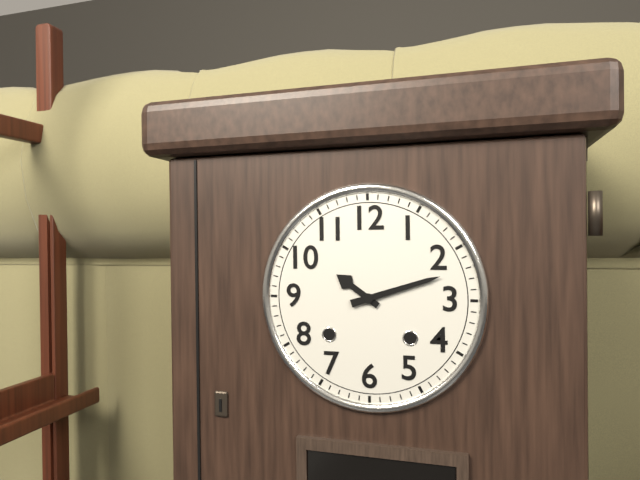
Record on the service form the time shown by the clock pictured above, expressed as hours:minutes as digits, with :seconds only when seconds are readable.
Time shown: 10:12
